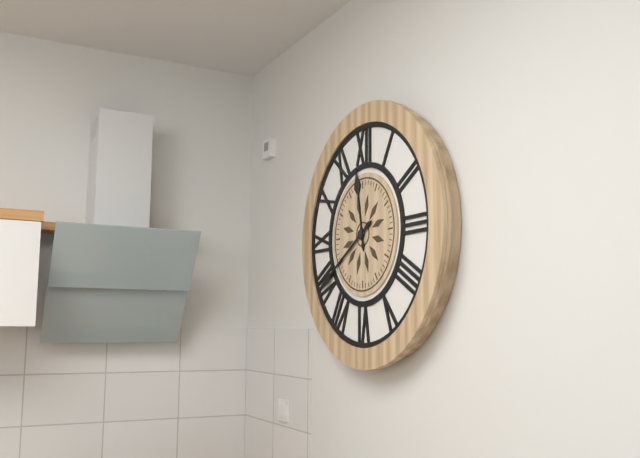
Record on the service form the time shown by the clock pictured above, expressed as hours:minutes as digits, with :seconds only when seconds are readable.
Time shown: 11:40
